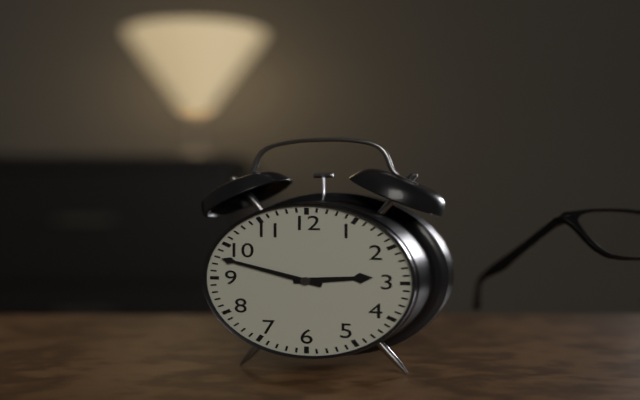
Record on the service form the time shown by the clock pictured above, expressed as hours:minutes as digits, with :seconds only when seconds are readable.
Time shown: 2:48
